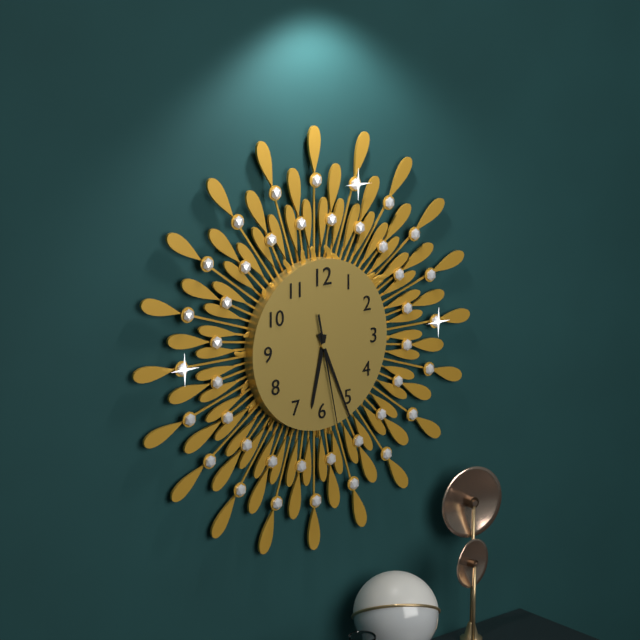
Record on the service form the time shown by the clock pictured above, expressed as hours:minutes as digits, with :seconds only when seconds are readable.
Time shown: 6:26:28
